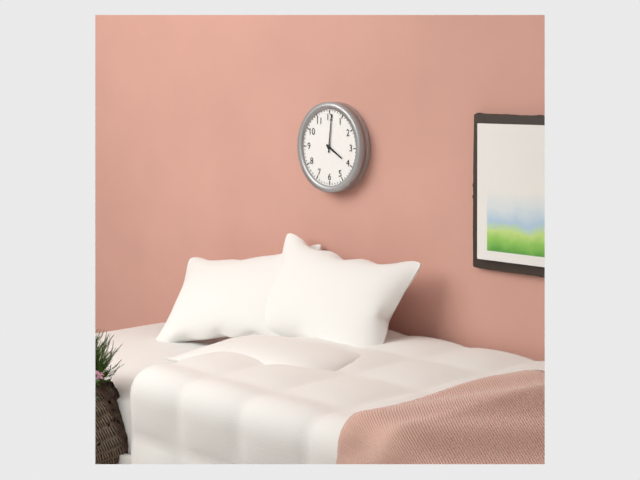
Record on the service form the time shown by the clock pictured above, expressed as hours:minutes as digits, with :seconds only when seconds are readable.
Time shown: 4:01
